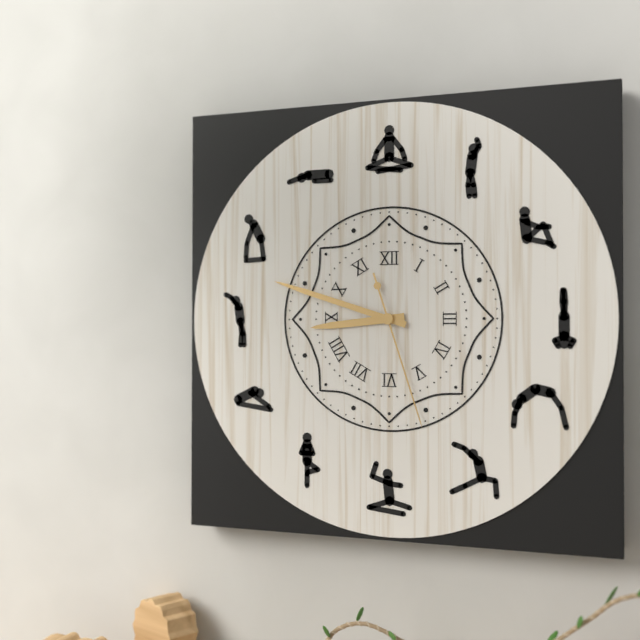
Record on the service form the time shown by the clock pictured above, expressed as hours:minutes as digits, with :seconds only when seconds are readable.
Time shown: 8:48:27
